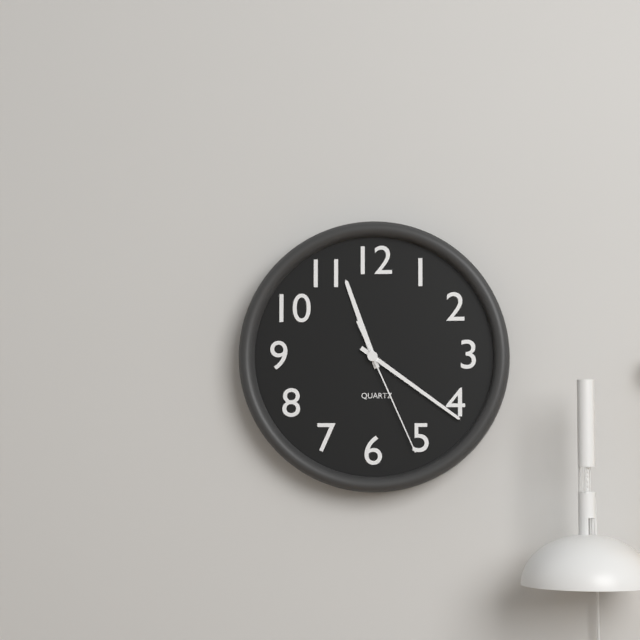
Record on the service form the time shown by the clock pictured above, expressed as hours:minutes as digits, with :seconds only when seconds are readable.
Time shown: 11:21:26
